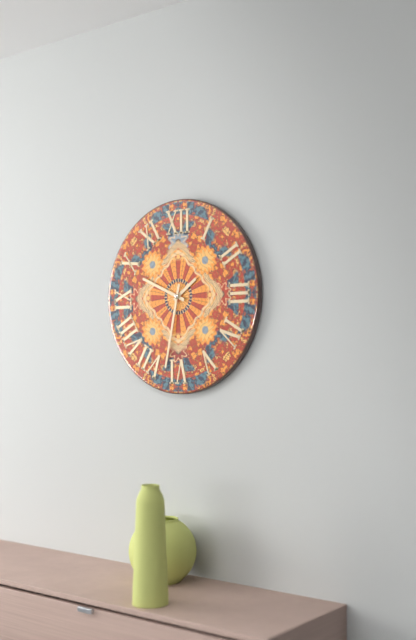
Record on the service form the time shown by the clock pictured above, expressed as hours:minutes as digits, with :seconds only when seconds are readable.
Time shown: 1:49:32
